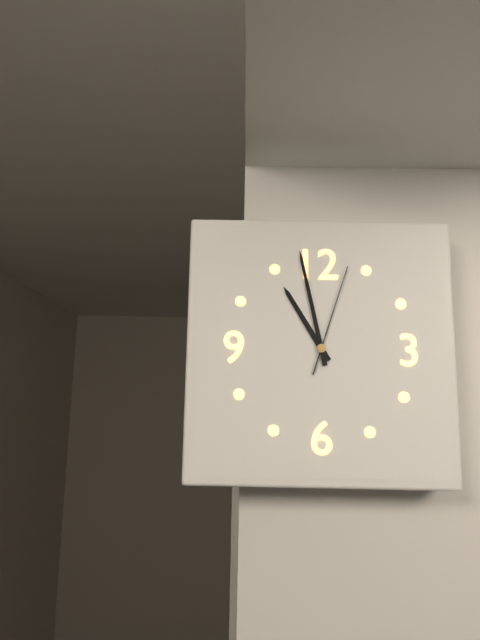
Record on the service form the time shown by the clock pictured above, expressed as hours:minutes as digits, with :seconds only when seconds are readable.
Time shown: 10:58:03
